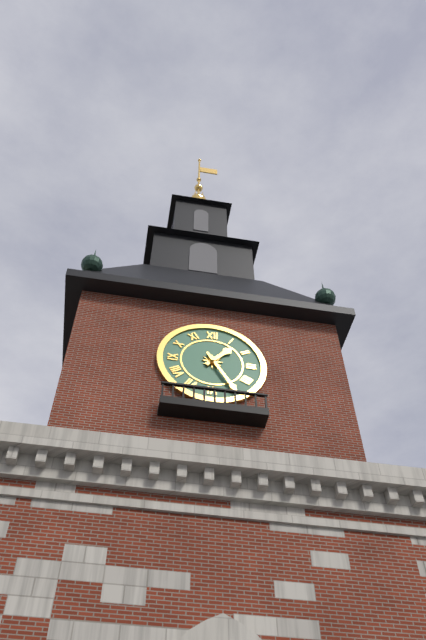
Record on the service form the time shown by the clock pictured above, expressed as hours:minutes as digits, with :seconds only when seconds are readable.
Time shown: 1:25
